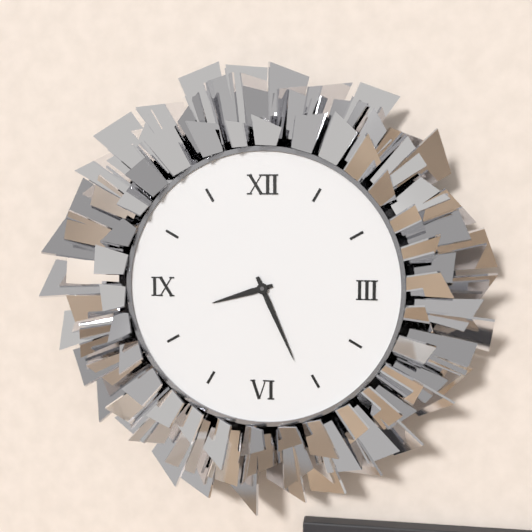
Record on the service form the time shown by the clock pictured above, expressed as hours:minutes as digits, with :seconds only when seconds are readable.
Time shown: 8:26
